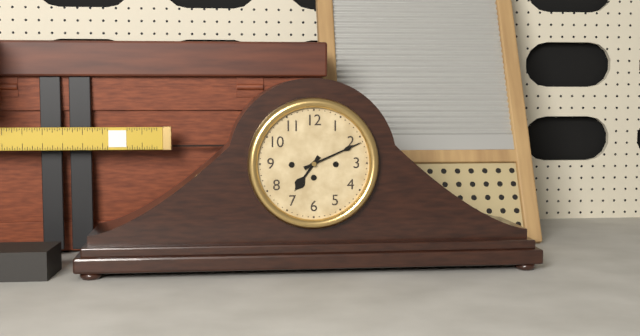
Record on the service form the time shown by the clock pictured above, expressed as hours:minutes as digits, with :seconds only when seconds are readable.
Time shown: 7:11
